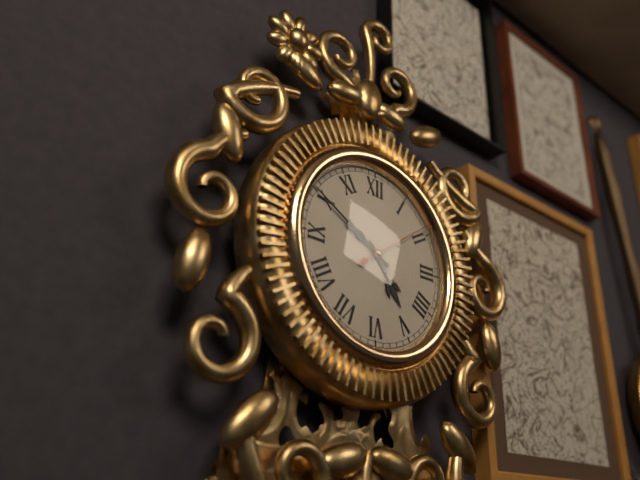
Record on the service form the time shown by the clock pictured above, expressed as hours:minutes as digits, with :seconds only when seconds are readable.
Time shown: 4:50:09
